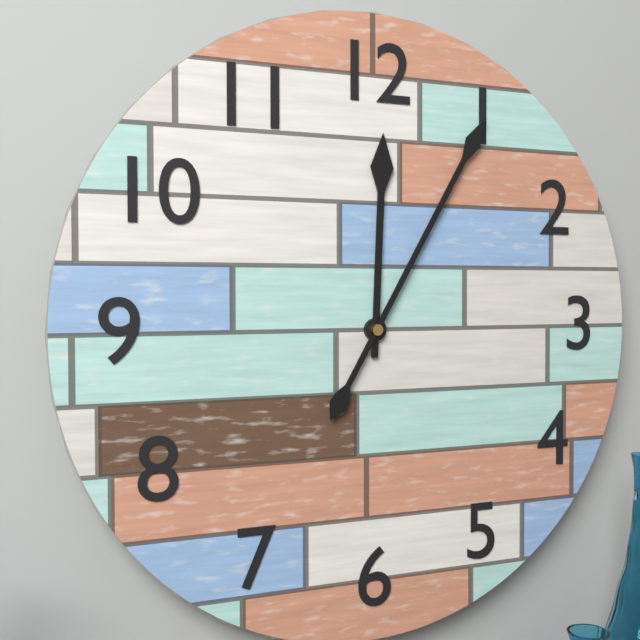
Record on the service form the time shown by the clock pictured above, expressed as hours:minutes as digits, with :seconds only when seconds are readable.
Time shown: 12:05
